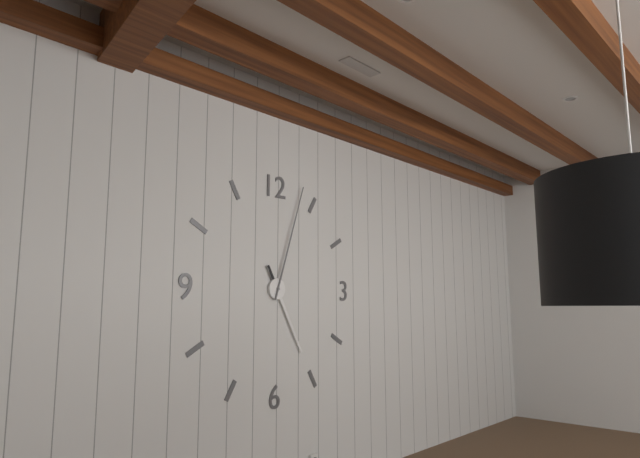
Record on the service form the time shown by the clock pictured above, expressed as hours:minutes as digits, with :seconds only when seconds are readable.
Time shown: 5:03
